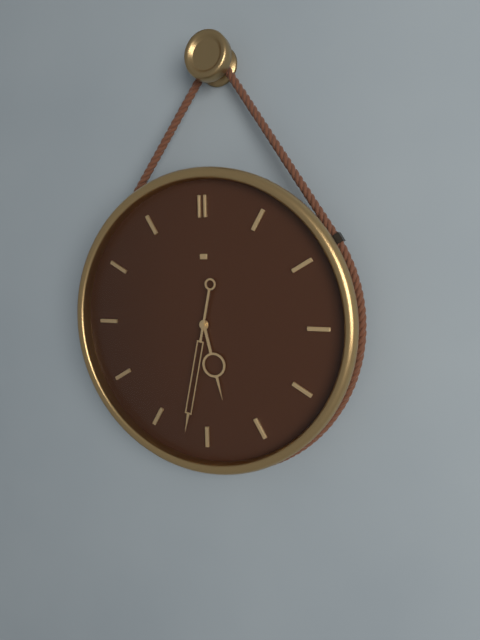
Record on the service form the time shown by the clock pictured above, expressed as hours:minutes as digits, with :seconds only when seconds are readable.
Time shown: 5:32
